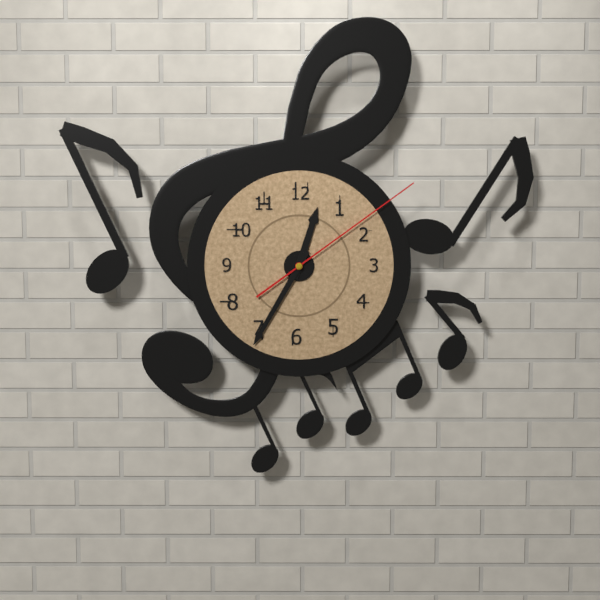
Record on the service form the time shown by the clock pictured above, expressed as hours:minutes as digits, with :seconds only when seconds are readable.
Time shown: 12:35:09
